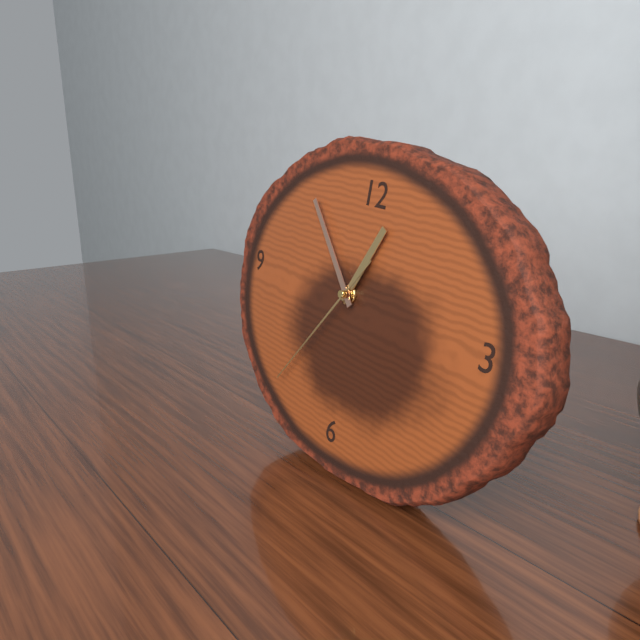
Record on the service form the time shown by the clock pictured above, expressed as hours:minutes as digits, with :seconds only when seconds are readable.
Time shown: 12:53:36
